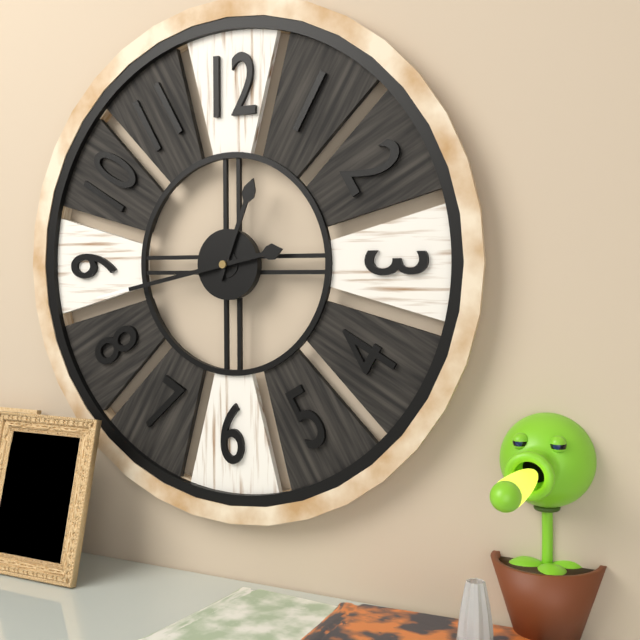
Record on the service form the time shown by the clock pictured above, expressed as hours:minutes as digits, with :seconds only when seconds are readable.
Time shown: 12:43
